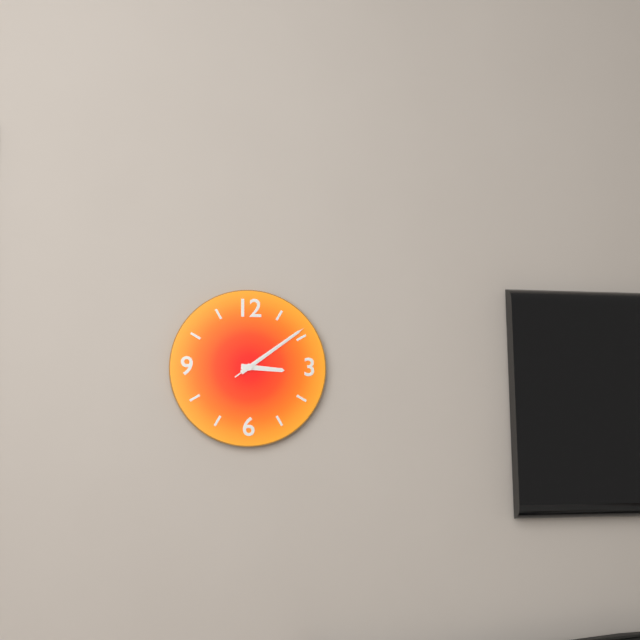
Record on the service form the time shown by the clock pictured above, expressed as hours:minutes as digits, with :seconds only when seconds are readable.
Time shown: 3:09:09
